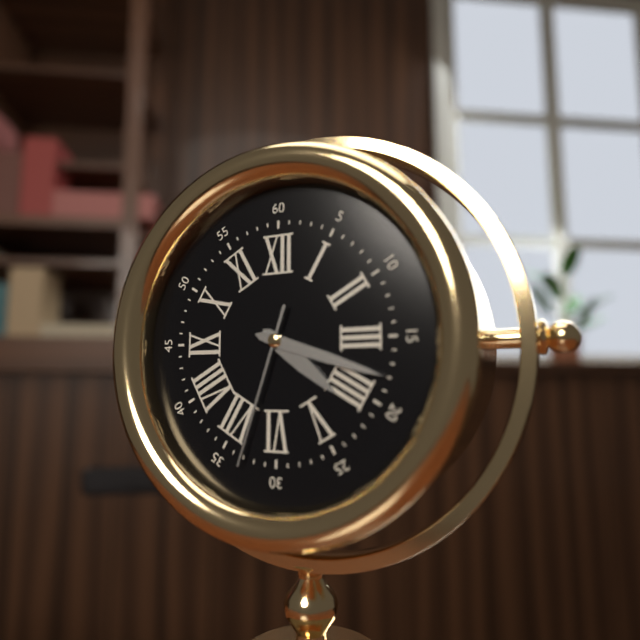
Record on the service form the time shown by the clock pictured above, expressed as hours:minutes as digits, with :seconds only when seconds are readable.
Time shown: 4:18:33
